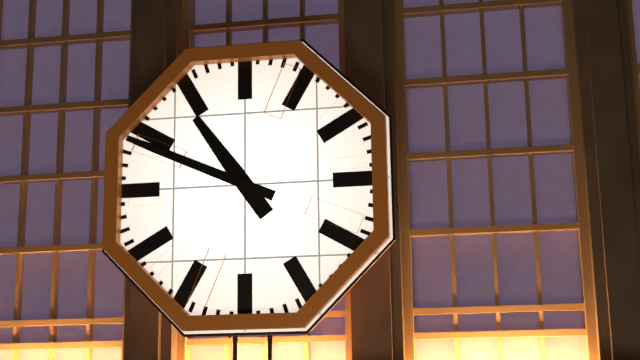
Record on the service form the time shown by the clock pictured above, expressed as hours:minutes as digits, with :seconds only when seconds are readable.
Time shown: 10:49
